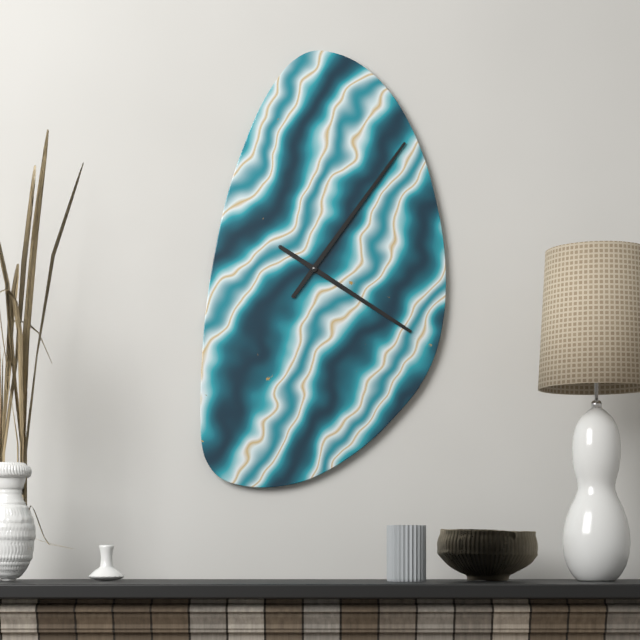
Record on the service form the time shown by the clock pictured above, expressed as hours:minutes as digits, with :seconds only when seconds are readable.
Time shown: 4:06
